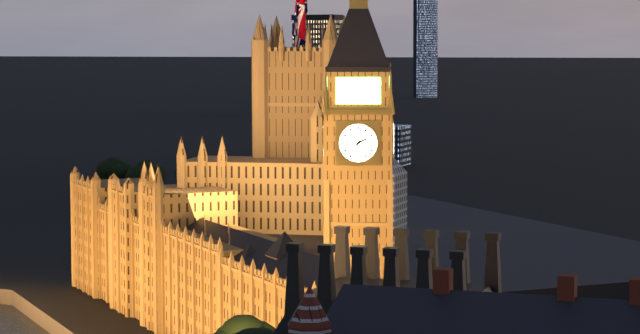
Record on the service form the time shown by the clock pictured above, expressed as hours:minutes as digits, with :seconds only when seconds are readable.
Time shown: 2:05
